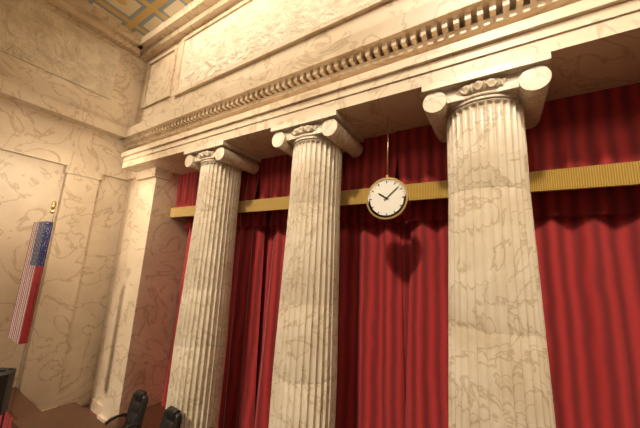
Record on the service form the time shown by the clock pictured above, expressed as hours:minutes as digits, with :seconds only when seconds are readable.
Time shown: 10:08
